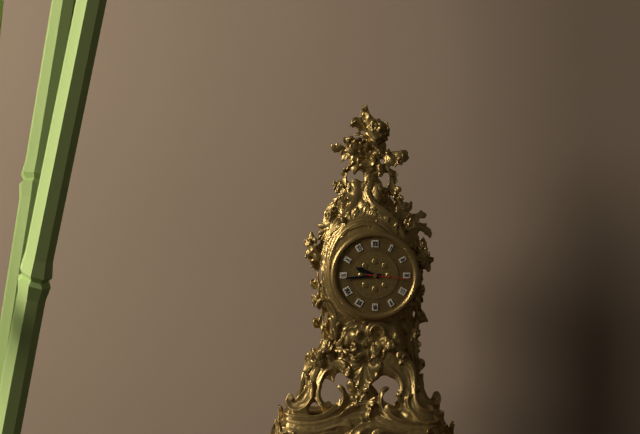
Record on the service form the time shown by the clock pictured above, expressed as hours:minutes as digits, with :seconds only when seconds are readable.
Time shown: 9:44
